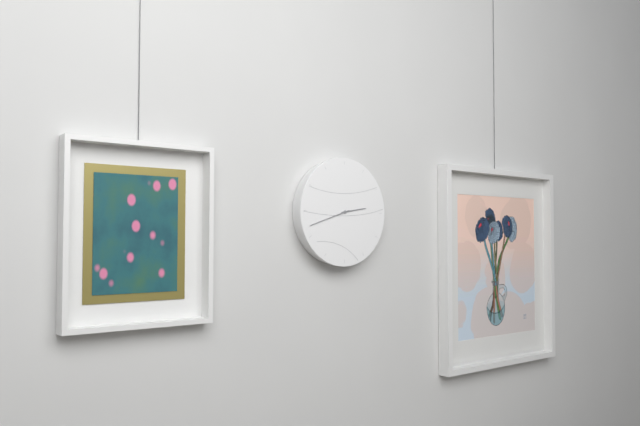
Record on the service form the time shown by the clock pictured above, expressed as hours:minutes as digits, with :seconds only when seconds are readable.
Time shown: 2:42
